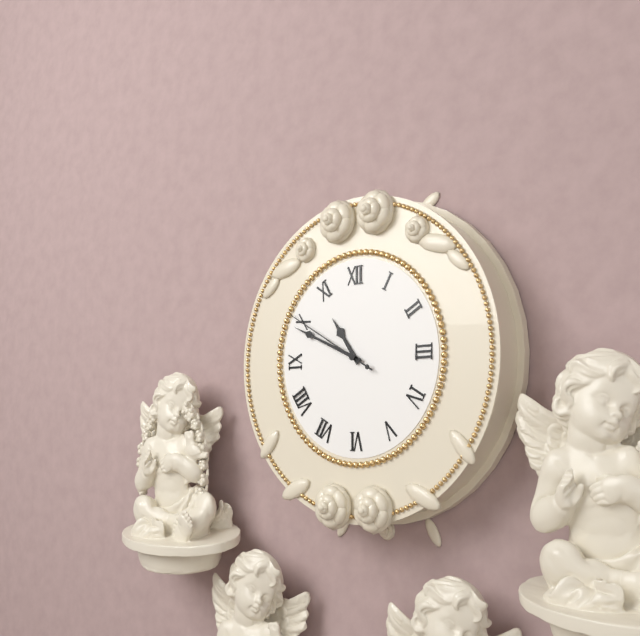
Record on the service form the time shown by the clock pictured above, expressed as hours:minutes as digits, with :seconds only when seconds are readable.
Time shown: 10:49:50
